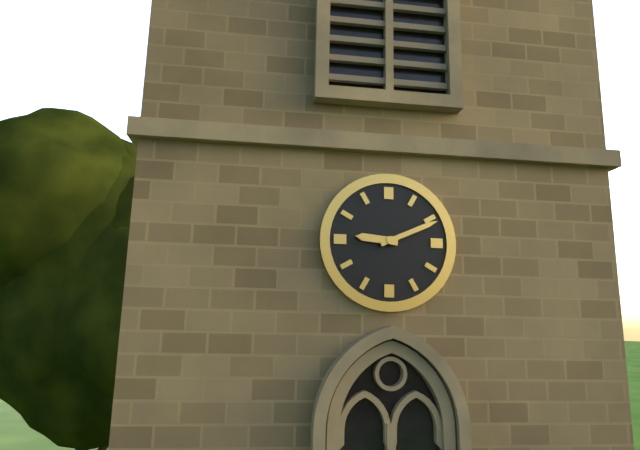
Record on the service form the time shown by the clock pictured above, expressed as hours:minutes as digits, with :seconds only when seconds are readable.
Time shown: 9:11
